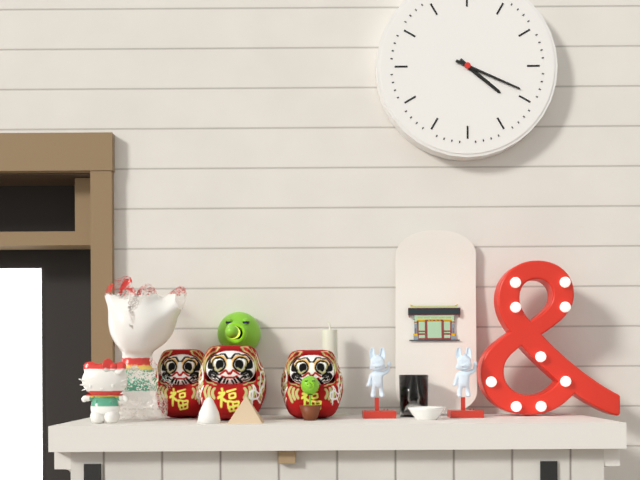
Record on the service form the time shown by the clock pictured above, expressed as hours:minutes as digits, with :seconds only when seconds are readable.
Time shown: 4:19
